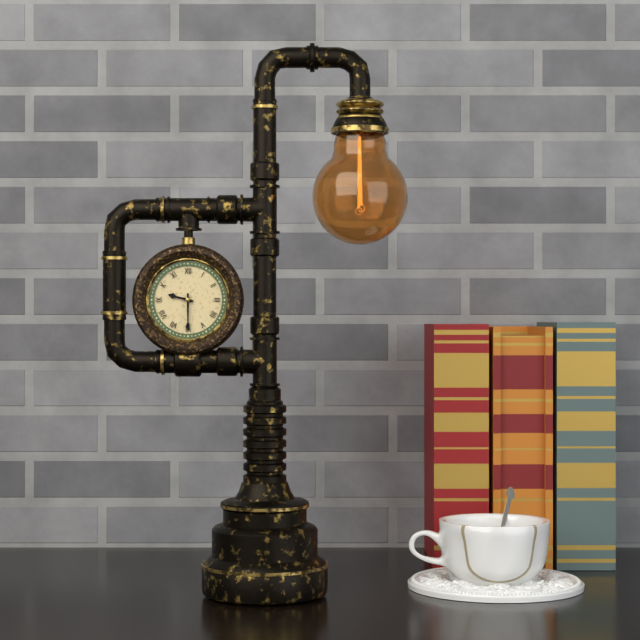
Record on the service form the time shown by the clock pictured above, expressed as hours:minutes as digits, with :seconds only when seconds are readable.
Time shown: 9:30
